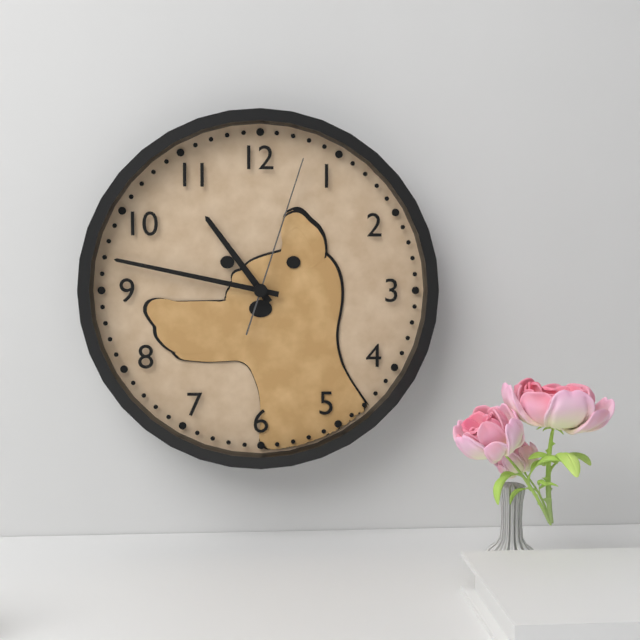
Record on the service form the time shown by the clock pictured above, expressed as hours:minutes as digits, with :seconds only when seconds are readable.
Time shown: 10:47:03
